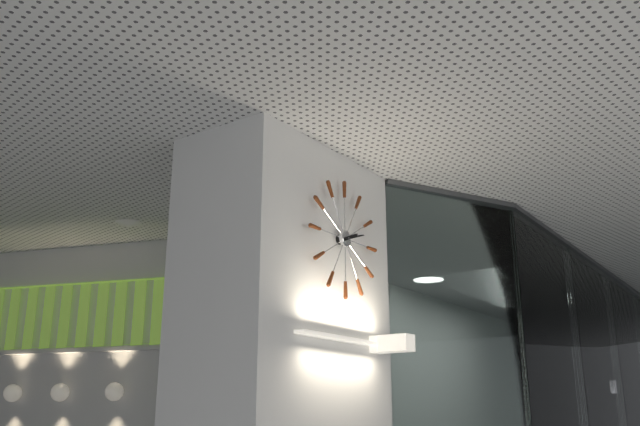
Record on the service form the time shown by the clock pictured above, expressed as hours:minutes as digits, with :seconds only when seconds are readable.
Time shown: 2:12
